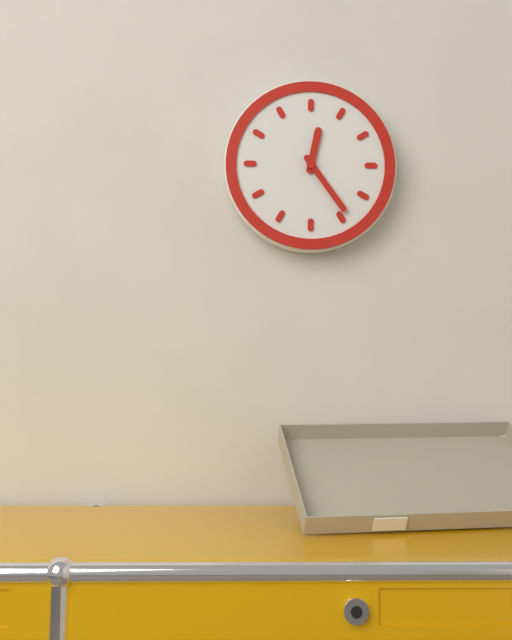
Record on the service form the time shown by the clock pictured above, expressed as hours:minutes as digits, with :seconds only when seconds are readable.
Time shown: 12:24
